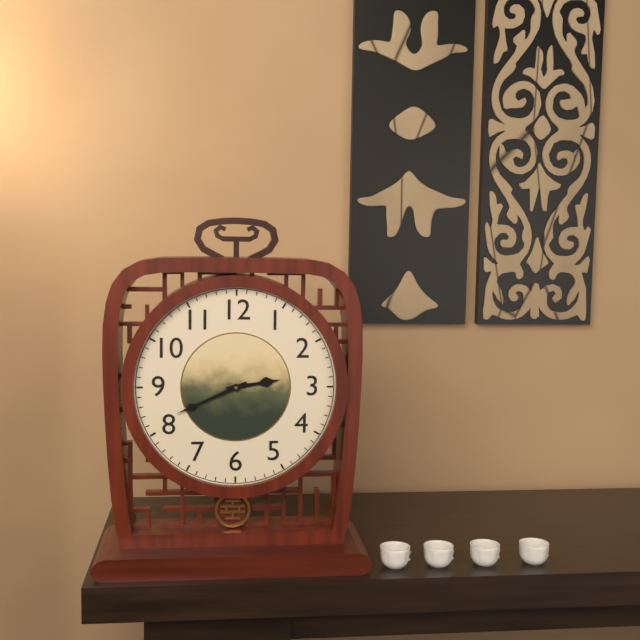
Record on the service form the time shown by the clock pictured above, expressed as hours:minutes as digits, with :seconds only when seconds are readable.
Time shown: 2:41
